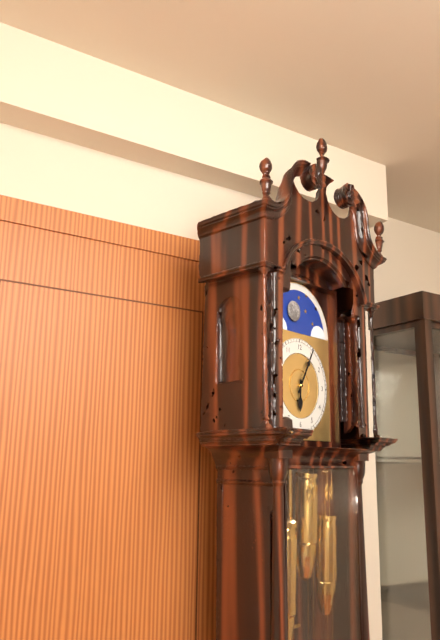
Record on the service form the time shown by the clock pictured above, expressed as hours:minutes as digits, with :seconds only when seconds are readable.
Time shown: 6:05
